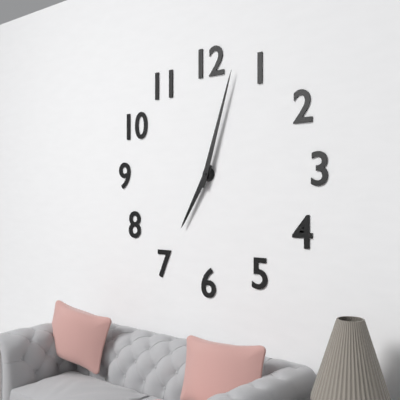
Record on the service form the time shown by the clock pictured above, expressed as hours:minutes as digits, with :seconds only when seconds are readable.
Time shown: 7:03
